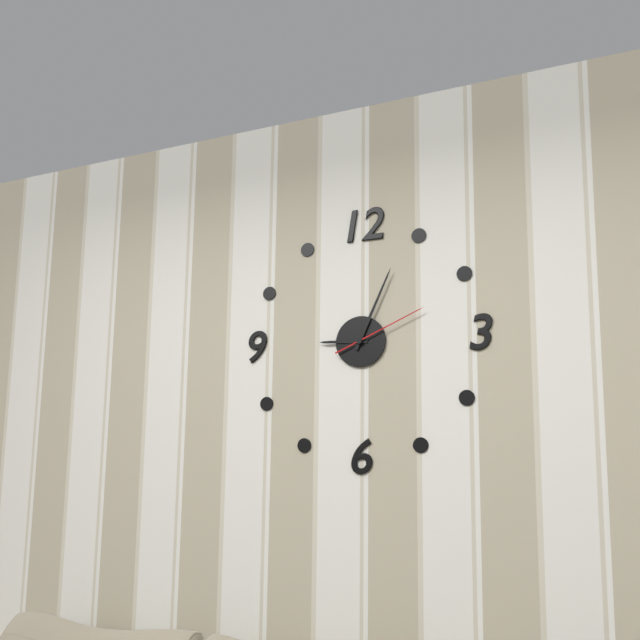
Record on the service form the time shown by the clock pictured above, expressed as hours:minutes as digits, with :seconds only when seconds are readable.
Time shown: 9:04:11
